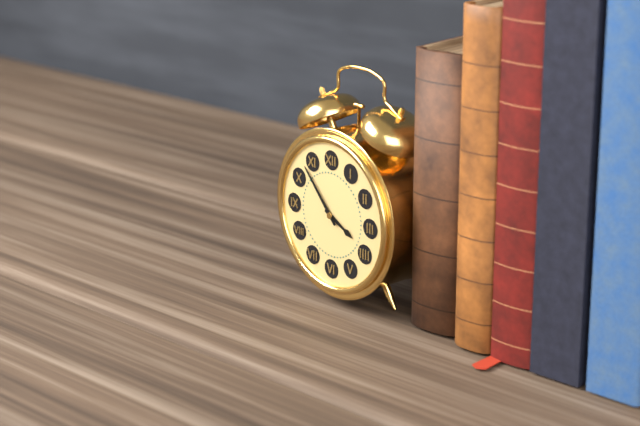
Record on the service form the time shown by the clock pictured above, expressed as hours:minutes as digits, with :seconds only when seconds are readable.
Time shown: 3:53
